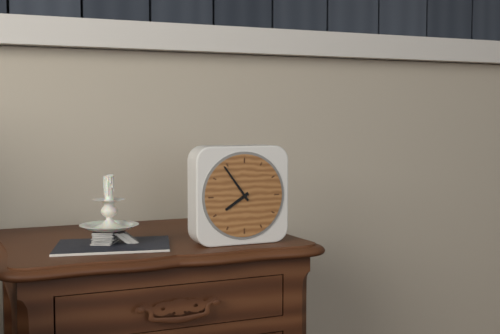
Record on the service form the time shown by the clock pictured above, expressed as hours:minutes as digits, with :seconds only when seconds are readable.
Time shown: 7:54
